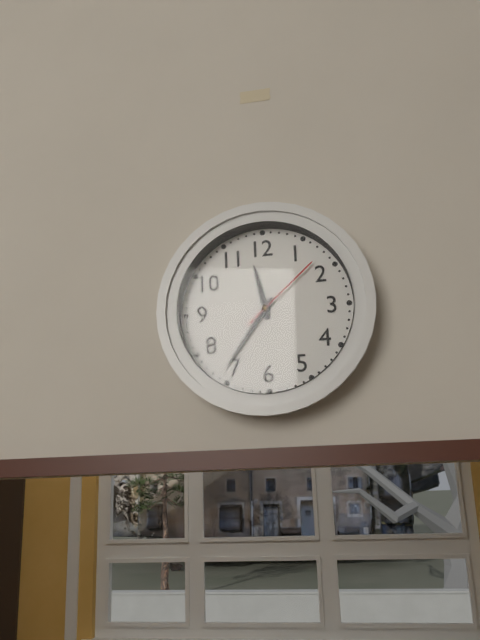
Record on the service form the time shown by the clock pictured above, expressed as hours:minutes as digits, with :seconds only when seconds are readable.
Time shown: 11:36:08
